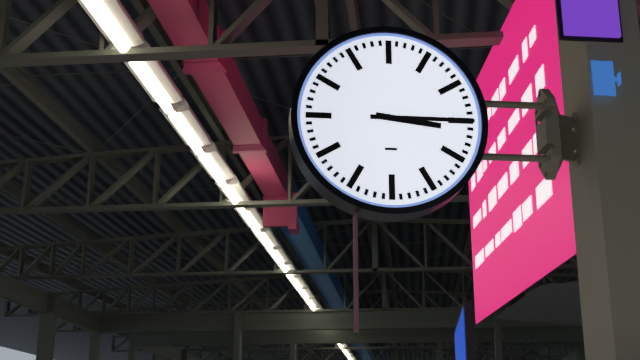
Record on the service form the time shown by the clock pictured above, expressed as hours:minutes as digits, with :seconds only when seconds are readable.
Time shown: 3:15
